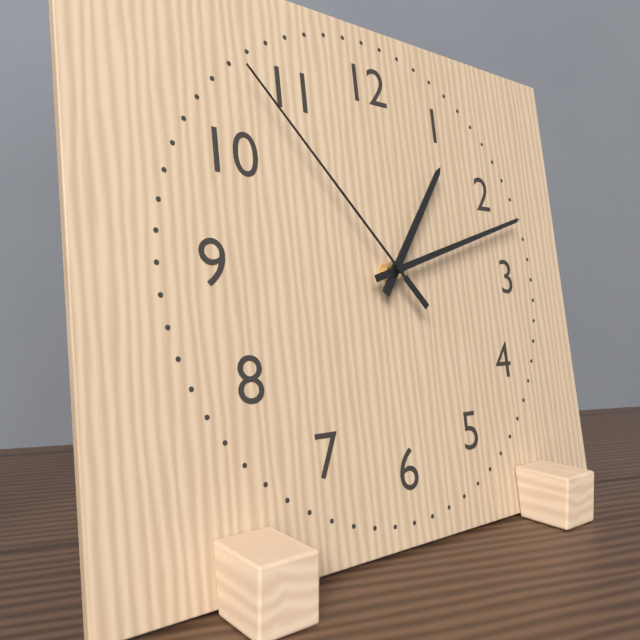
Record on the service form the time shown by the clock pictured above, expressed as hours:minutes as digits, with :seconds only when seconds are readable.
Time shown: 1:12:53
